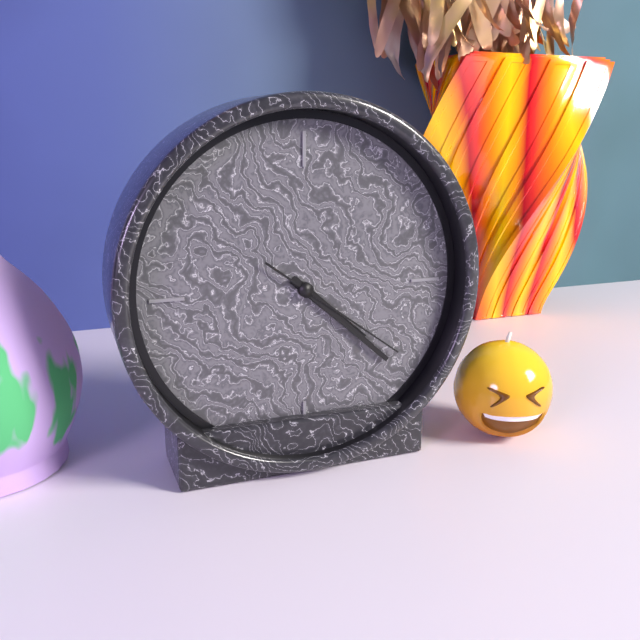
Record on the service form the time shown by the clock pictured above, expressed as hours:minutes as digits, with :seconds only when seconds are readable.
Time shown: 4:22:21
